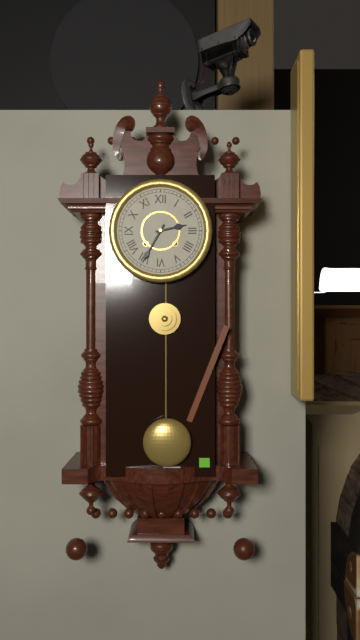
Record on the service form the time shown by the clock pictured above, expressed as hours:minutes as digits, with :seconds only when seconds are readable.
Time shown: 2:35
